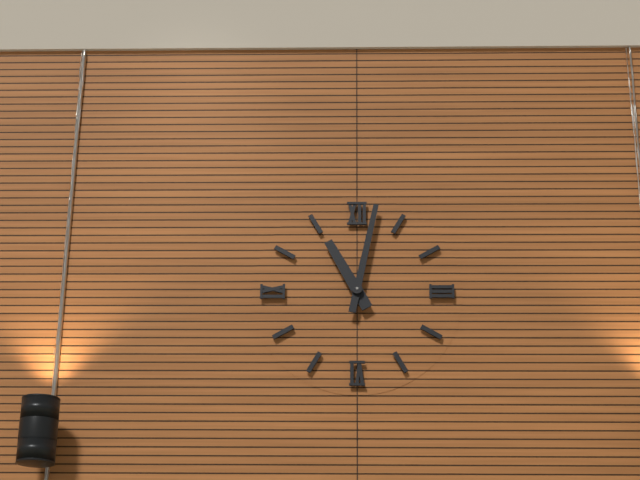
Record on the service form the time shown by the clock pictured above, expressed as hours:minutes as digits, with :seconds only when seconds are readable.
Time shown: 11:02
